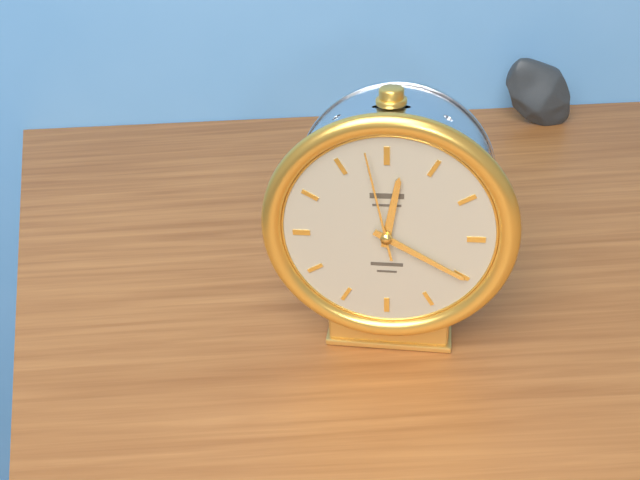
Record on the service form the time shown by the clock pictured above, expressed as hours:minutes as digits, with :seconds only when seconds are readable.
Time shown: 12:20:58
